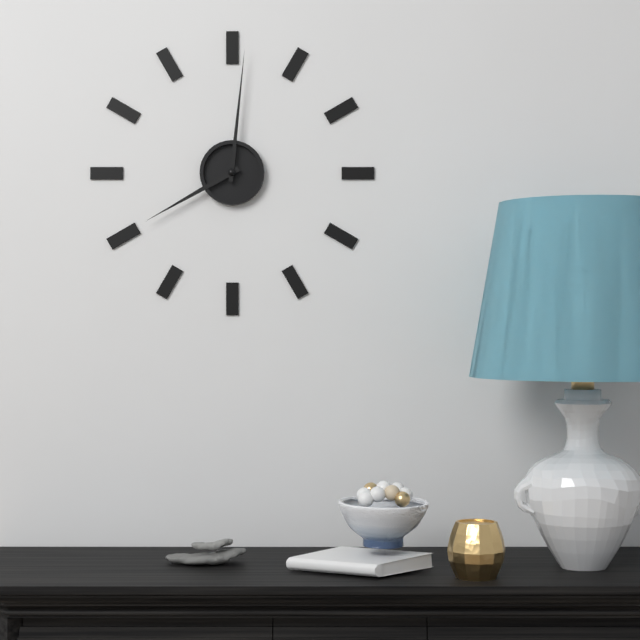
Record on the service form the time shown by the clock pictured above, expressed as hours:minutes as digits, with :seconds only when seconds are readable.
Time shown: 8:01
